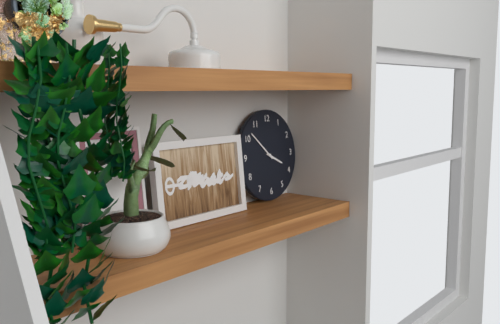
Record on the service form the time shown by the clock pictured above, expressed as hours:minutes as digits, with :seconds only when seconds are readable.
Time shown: 3:52
